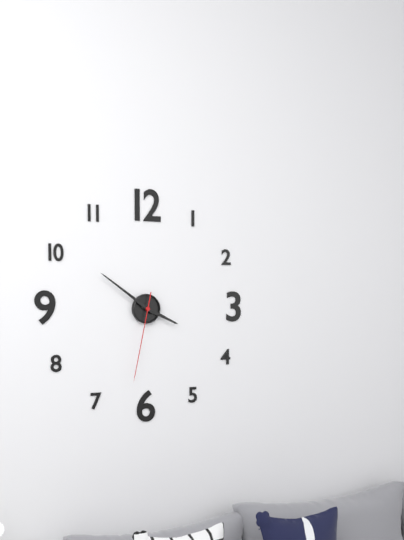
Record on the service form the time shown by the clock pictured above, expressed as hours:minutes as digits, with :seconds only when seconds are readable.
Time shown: 3:51:32
